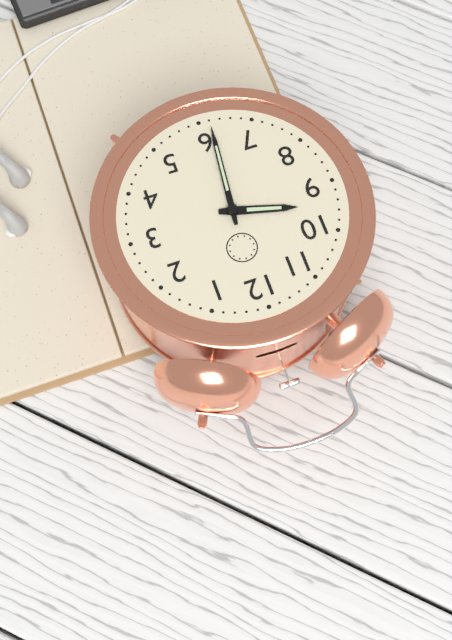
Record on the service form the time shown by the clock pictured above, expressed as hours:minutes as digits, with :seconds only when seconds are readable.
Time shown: 9:31
